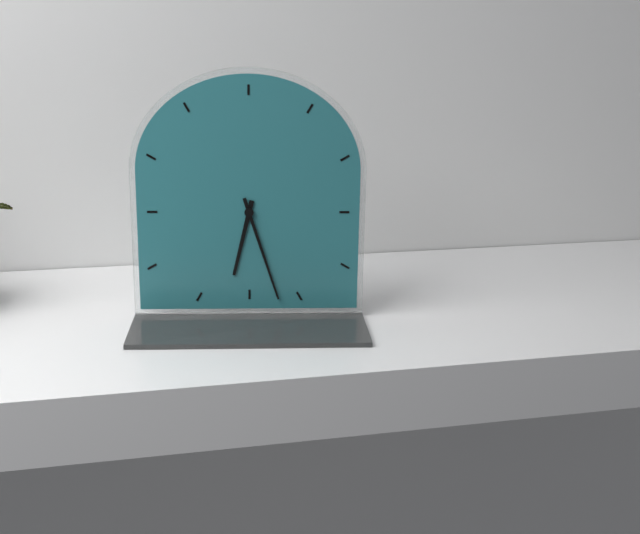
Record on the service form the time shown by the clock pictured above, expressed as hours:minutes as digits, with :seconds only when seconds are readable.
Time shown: 6:27
